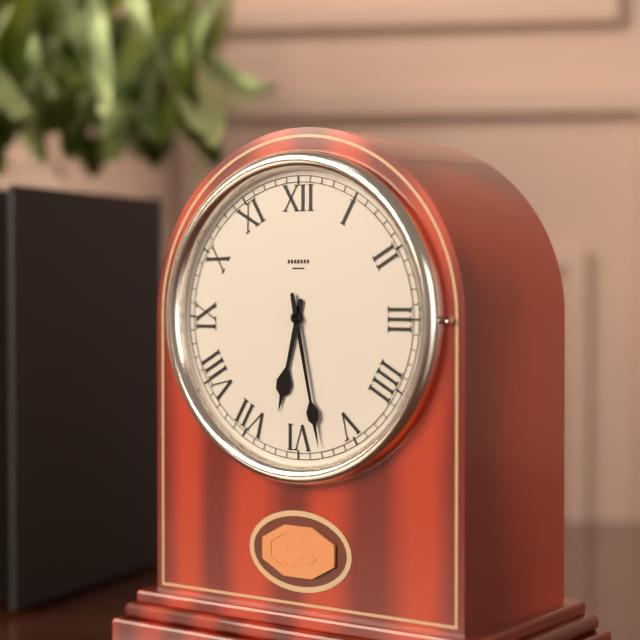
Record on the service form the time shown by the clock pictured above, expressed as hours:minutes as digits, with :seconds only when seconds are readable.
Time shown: 6:28
